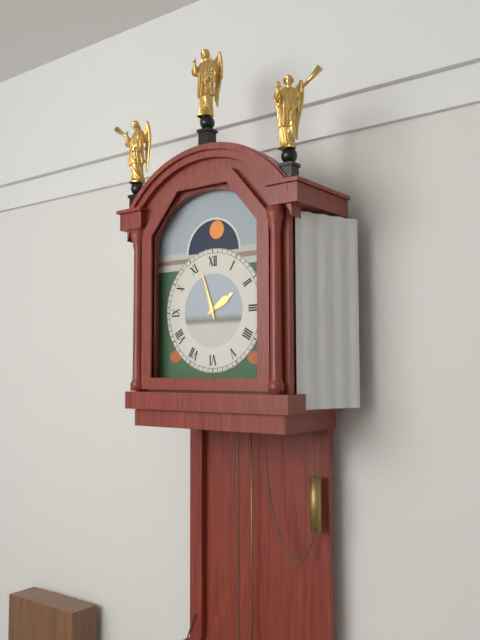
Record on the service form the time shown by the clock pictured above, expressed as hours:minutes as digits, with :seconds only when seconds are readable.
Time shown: 1:57
